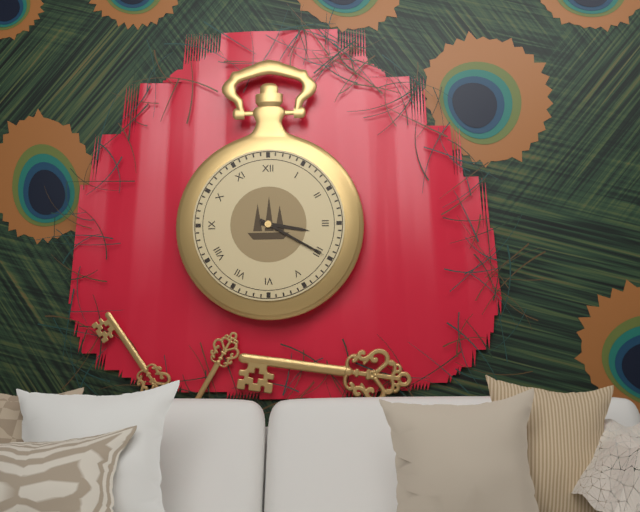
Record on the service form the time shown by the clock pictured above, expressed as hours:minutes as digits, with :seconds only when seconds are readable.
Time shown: 3:20
